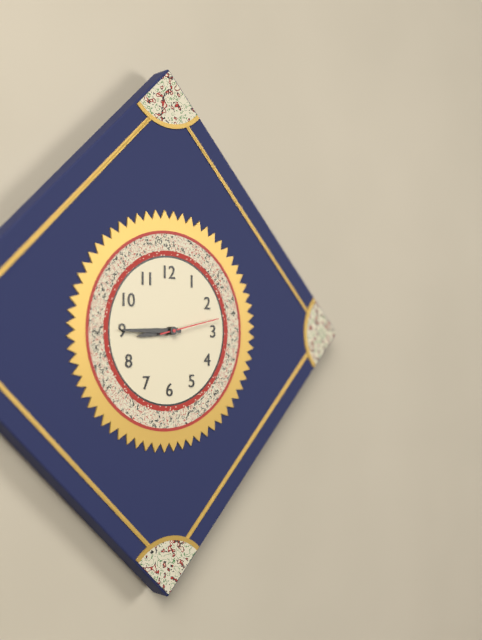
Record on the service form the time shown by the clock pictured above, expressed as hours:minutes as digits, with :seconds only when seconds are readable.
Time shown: 8:45:13
